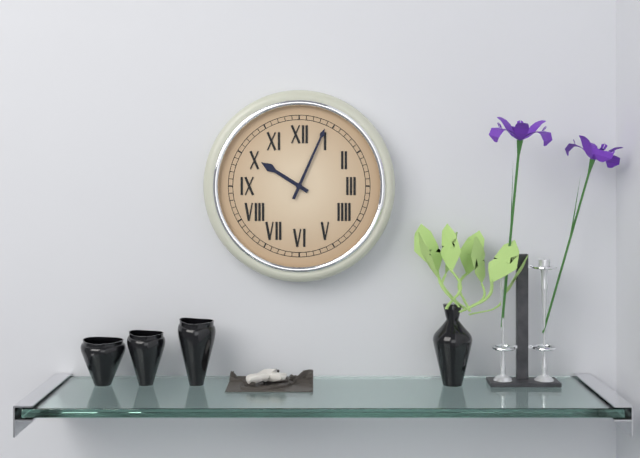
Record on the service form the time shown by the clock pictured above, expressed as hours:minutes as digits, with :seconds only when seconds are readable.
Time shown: 10:04
